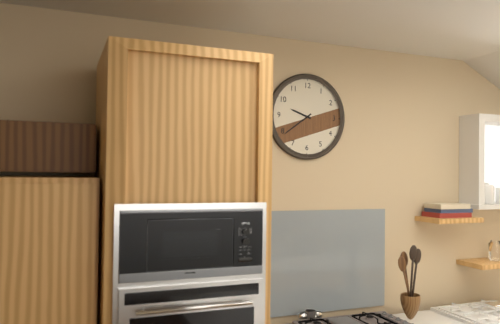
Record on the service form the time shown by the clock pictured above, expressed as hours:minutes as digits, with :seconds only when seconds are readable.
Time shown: 9:39
